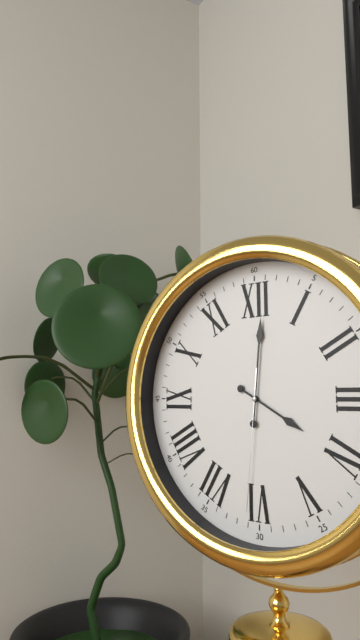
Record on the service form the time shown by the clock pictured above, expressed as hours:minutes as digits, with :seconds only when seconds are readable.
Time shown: 4:01:31
